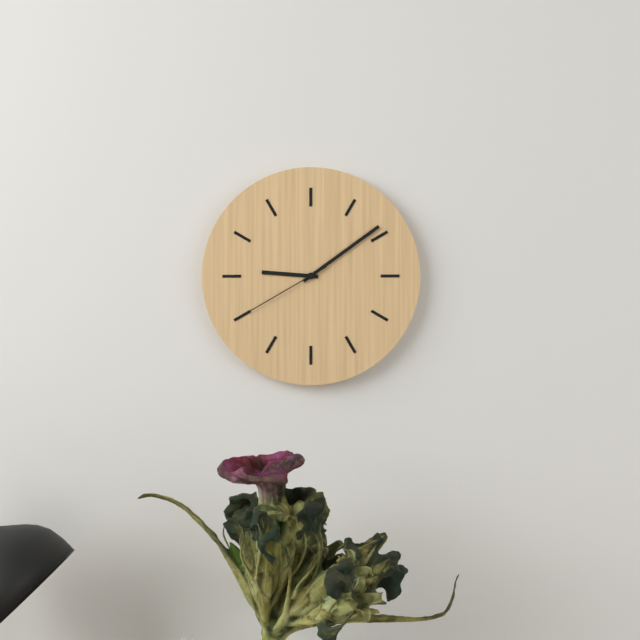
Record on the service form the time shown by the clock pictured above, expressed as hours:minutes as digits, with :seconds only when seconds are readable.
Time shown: 9:09:40
